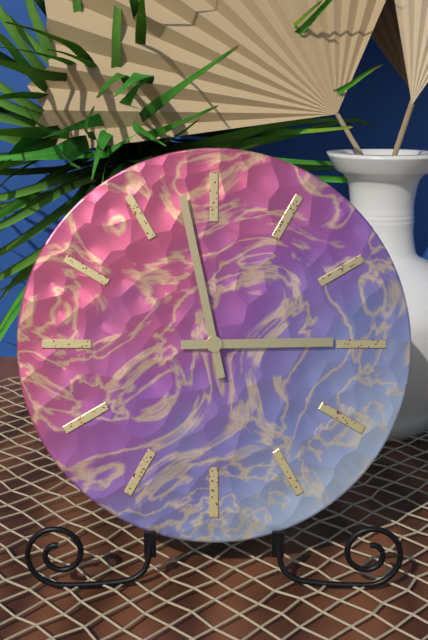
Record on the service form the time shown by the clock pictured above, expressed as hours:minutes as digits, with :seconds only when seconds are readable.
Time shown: 2:58
